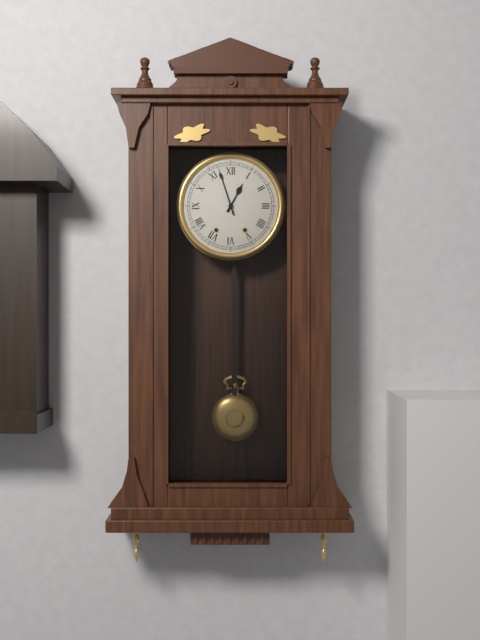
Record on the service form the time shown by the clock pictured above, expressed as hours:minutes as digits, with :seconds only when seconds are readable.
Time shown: 12:57
